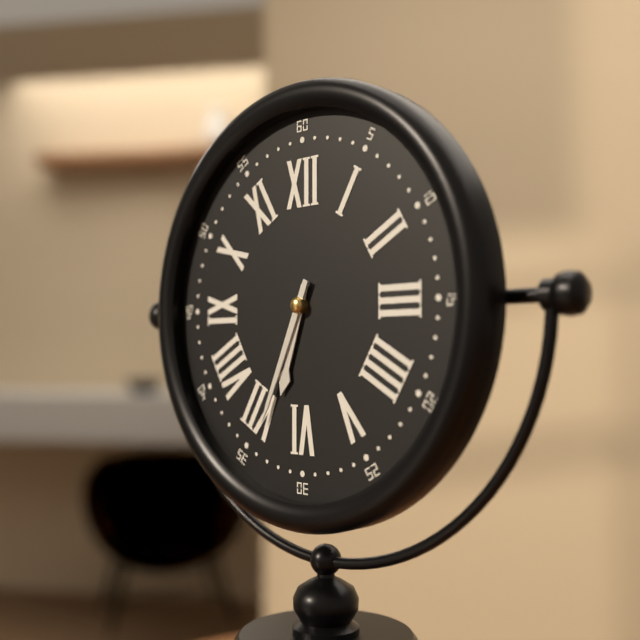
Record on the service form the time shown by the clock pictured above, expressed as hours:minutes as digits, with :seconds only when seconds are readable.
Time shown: 6:34
